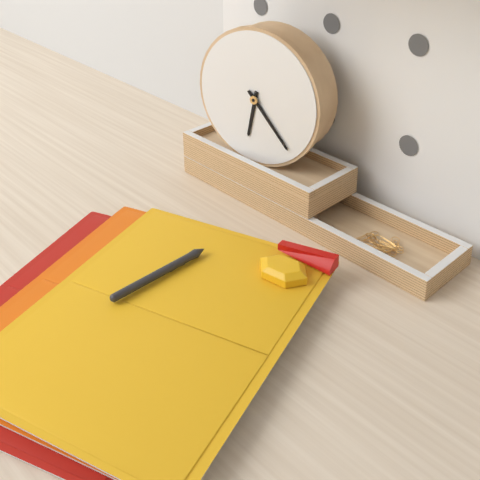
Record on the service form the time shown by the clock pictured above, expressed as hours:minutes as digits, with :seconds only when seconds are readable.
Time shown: 6:23
